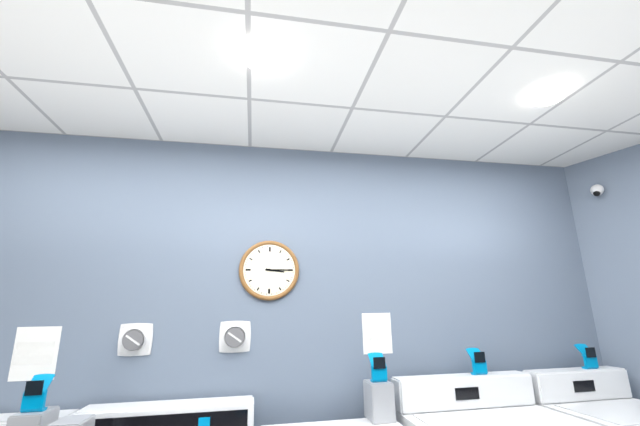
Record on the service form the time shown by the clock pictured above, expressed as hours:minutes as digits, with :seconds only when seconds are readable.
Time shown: 3:15
